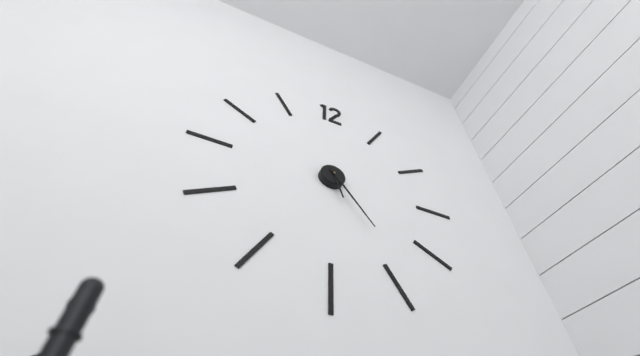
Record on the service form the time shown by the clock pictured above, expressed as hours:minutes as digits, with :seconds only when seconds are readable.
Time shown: 5:24
